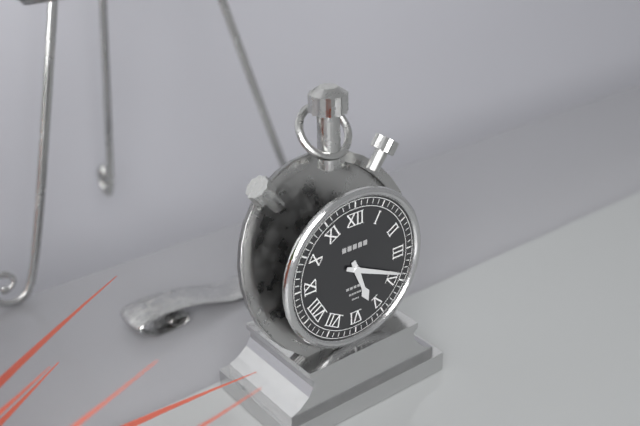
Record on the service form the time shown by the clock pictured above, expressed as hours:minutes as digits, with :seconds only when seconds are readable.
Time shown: 5:19
